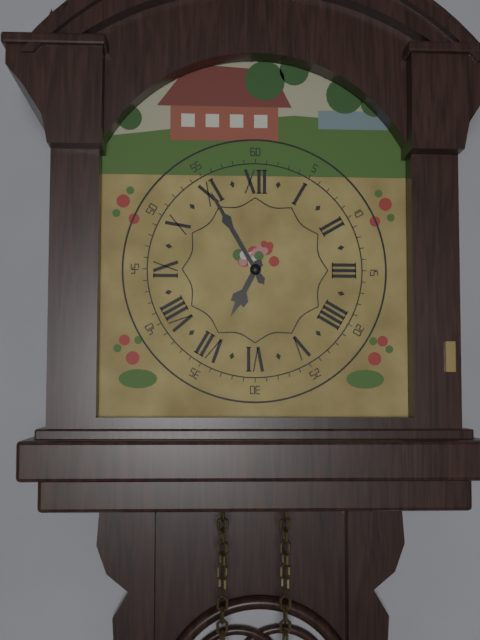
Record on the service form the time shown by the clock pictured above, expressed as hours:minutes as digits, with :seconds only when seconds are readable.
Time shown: 6:55
